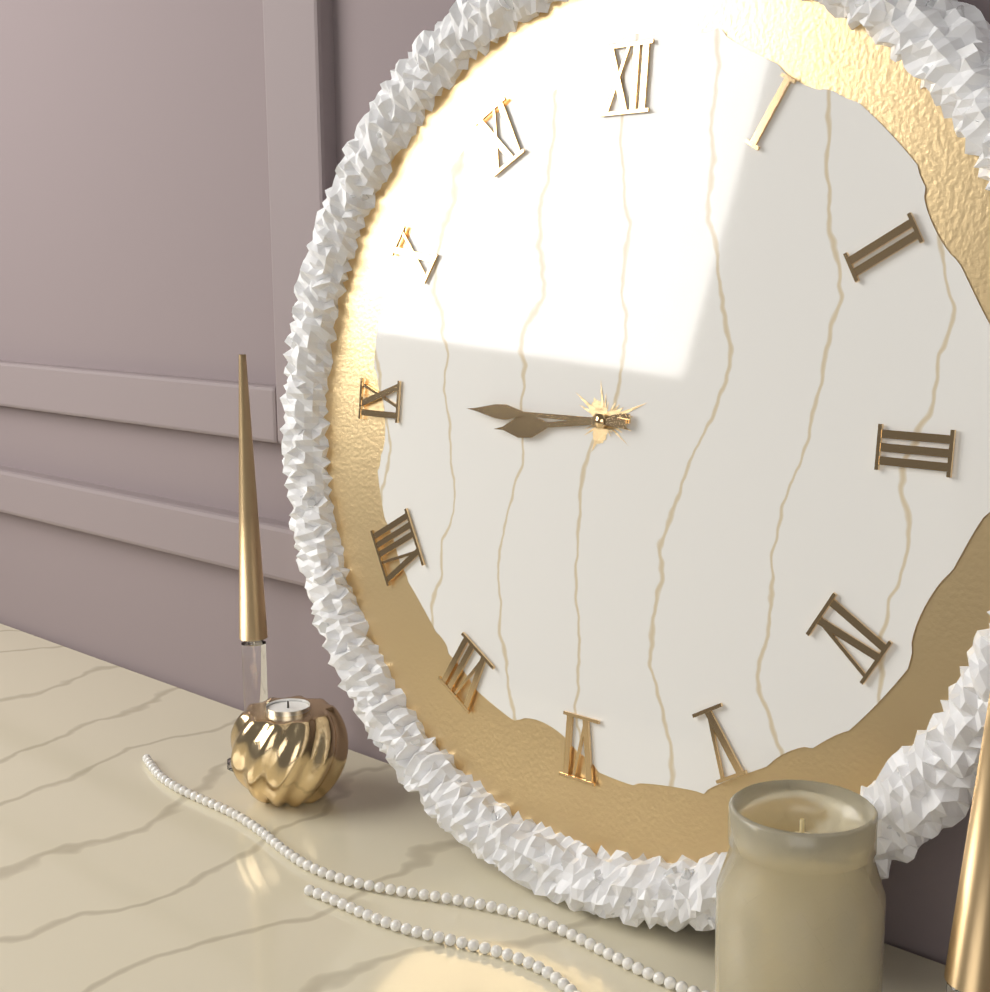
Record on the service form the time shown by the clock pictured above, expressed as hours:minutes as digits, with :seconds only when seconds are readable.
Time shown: 8:45
